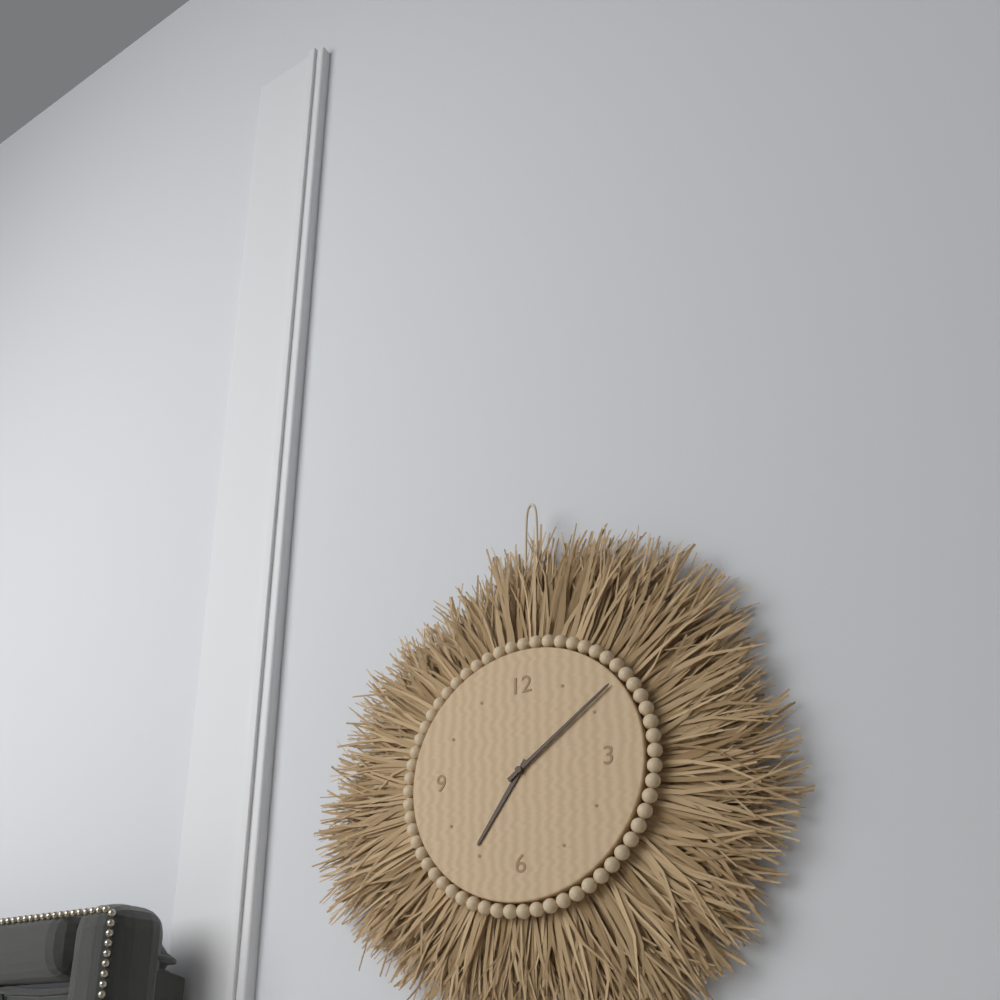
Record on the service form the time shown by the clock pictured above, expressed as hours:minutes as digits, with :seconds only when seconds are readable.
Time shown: 7:09
